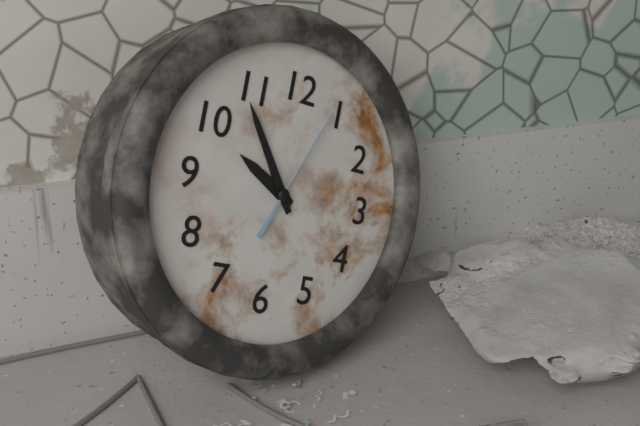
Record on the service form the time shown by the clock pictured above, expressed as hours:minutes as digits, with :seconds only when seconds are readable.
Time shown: 9:54:04
